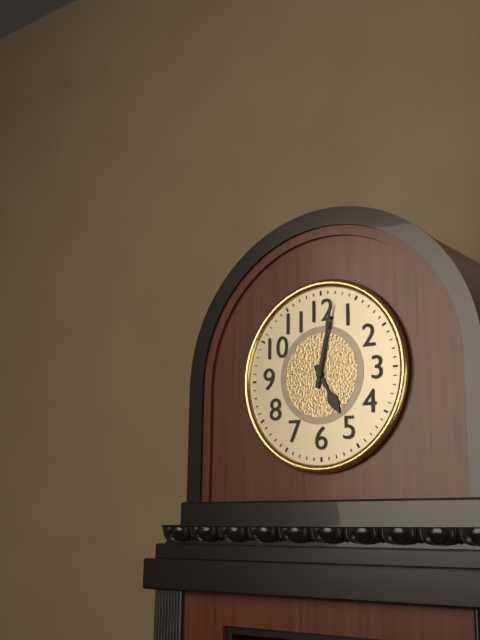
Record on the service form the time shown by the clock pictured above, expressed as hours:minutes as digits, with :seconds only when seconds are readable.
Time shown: 5:02
